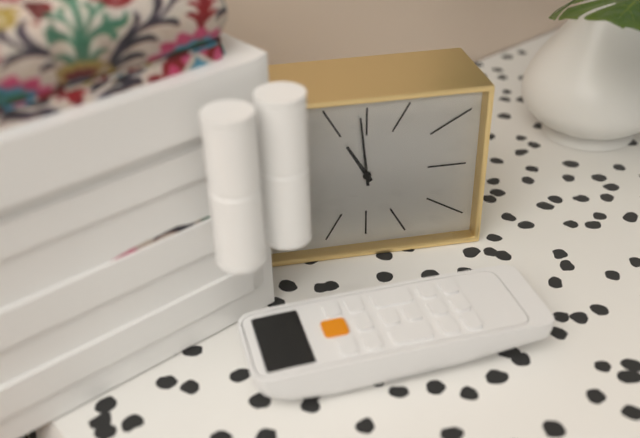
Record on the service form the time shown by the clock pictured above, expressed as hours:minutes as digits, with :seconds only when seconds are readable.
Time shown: 10:59
